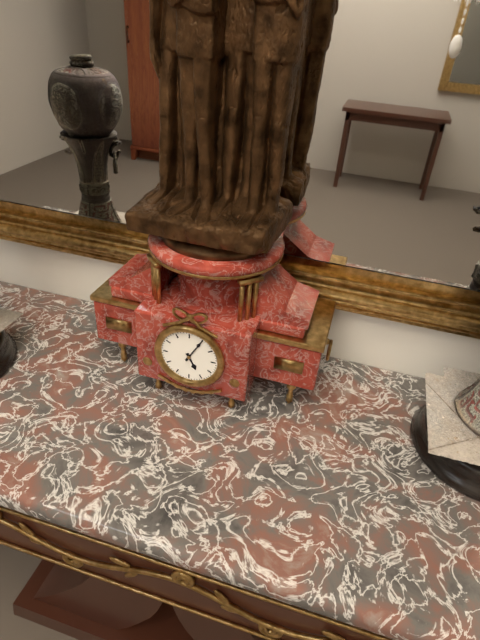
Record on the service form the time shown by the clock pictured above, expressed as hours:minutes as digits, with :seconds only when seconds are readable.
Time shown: 5:05
